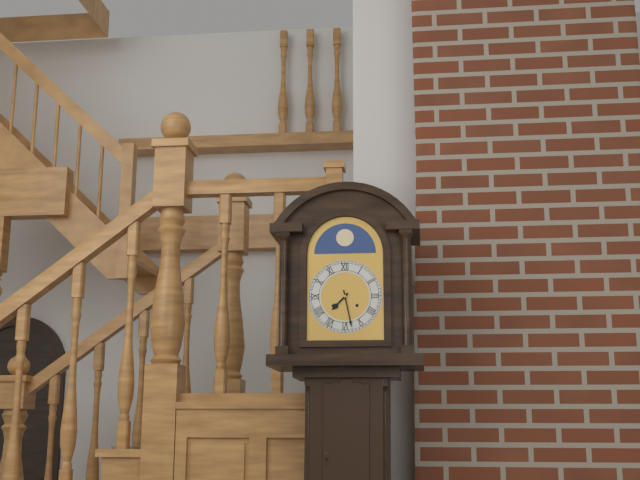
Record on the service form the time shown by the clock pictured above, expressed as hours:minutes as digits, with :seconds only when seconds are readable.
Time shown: 7:28
